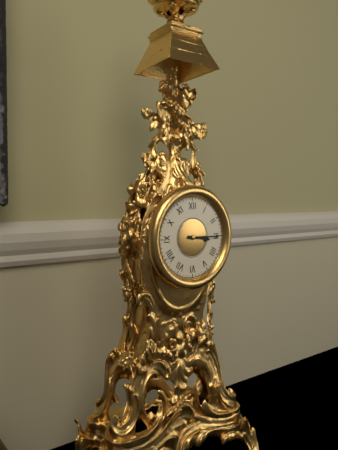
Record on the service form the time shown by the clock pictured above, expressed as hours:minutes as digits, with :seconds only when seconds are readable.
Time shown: 3:15
